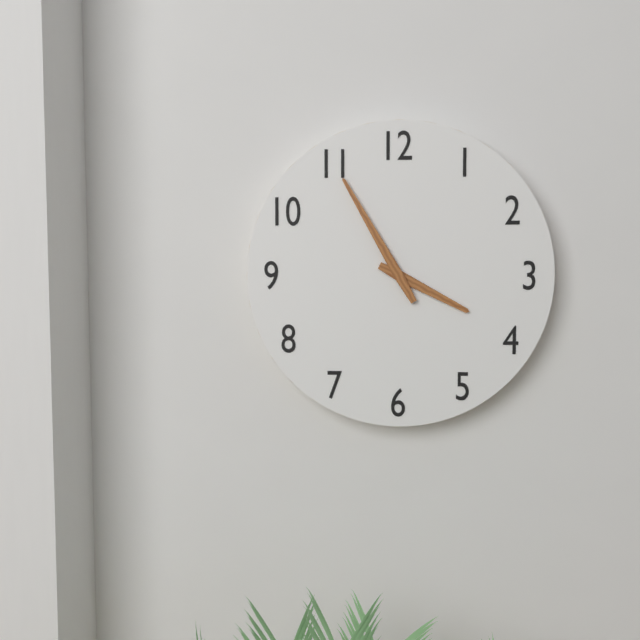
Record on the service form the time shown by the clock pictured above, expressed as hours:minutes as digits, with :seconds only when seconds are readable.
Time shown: 3:55
